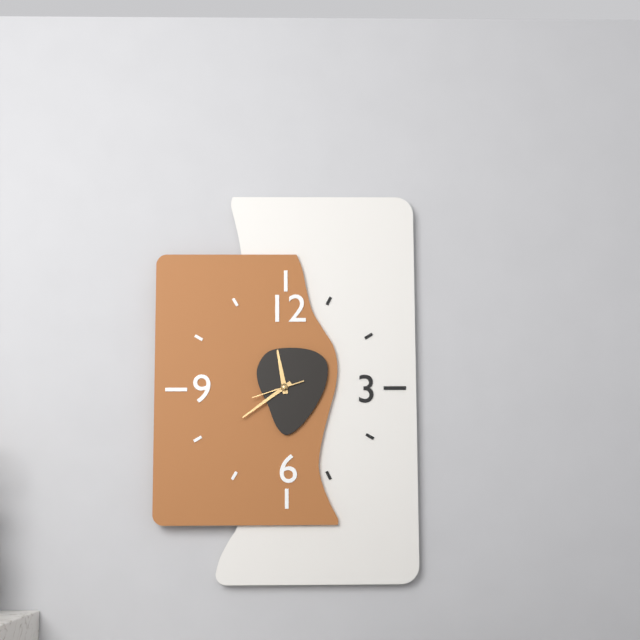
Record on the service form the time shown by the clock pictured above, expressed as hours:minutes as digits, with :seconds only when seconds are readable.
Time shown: 11:39
